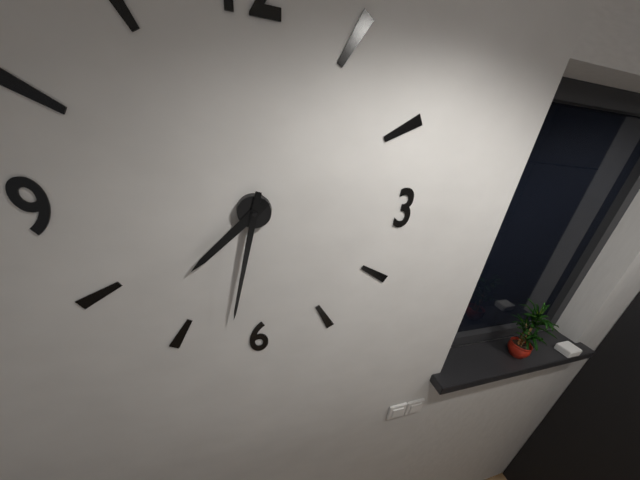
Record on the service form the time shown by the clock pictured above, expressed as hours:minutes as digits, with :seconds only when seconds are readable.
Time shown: 7:32
